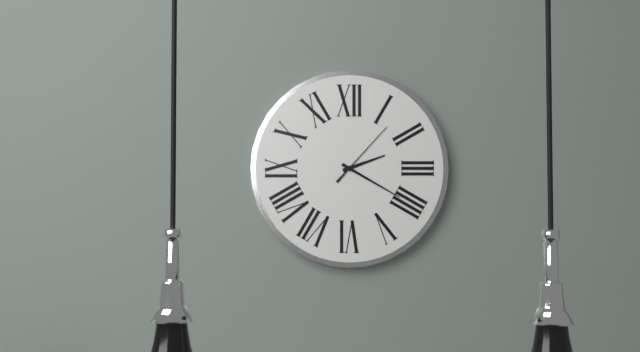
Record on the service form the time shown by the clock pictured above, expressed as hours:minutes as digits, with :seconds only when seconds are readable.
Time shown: 2:20:07
